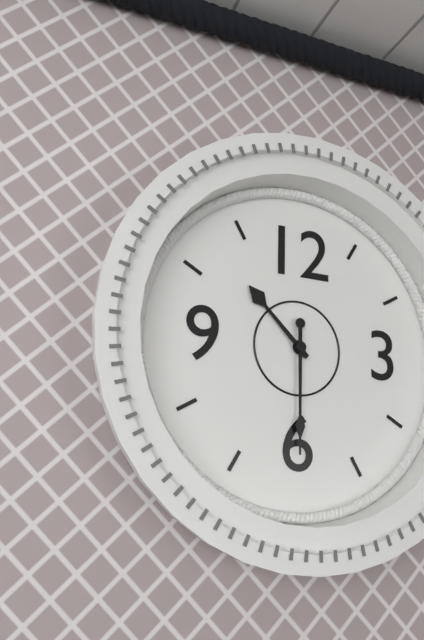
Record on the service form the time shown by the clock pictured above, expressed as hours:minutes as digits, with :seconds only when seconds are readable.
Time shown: 10:30
